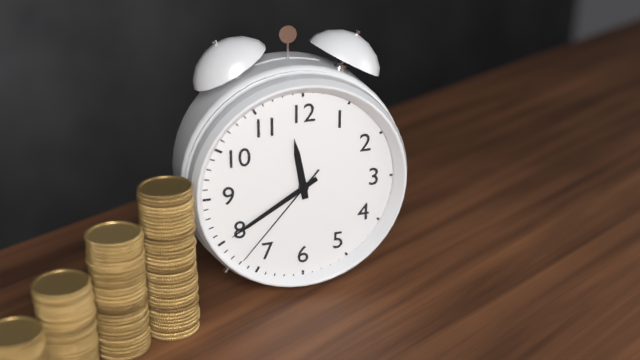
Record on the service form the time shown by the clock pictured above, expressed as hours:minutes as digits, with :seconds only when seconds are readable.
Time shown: 11:40:37
